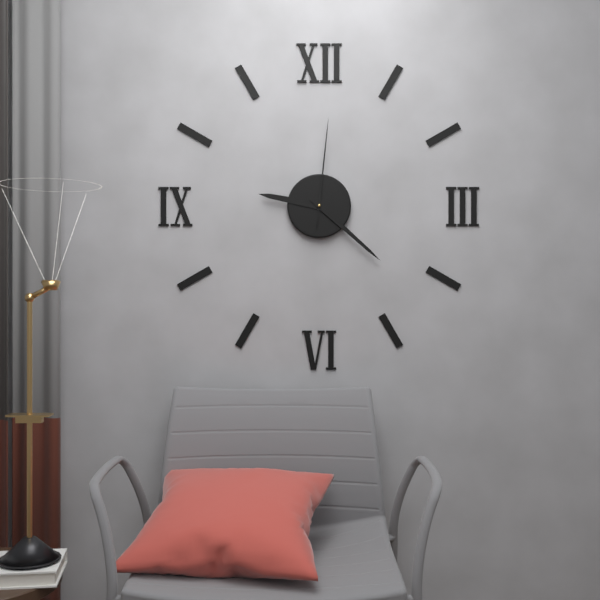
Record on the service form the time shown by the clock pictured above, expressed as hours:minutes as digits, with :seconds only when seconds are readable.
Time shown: 9:22:01
